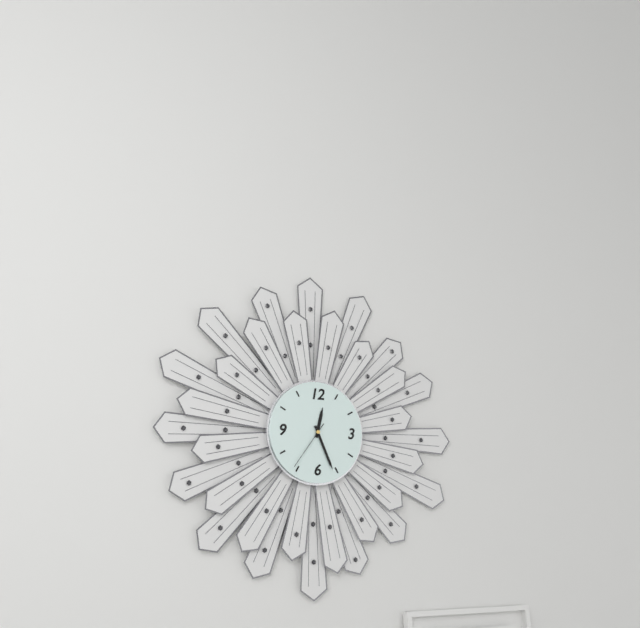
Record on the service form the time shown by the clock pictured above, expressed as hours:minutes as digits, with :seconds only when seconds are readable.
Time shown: 12:26:36
